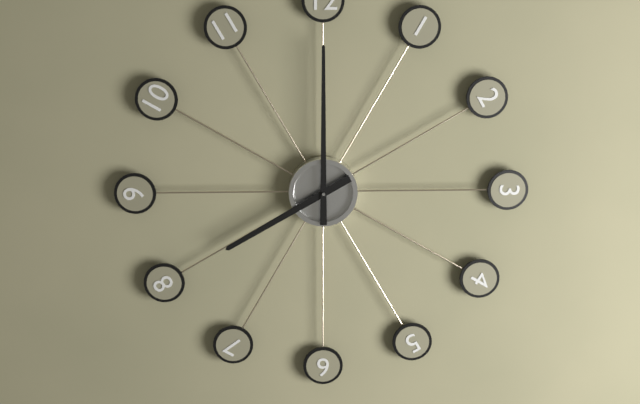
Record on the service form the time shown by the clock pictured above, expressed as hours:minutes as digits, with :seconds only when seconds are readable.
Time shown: 8:00
